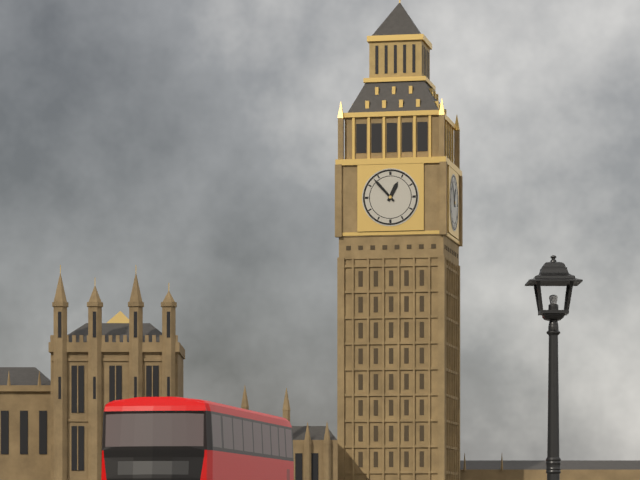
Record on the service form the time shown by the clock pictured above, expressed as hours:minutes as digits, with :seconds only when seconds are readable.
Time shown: 12:53
